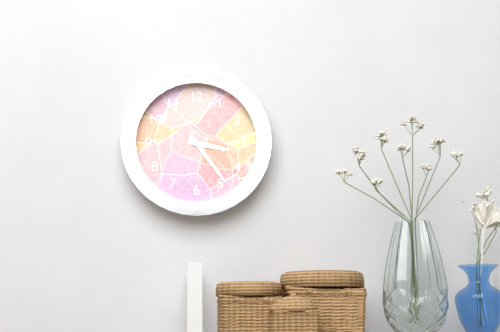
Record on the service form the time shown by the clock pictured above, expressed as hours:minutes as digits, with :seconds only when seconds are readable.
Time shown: 3:24
